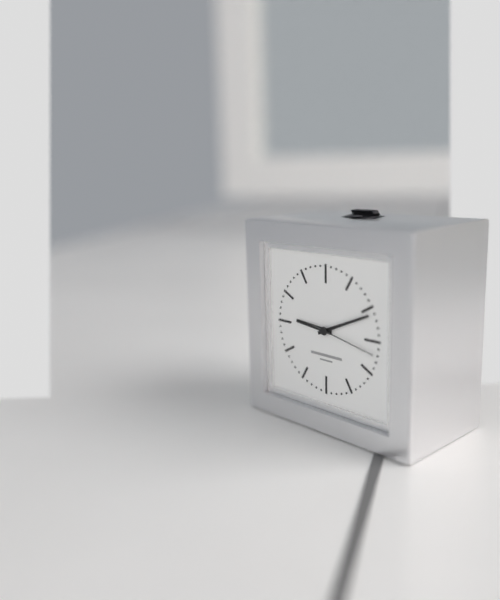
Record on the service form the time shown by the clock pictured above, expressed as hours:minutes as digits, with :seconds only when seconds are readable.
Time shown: 9:11:17
